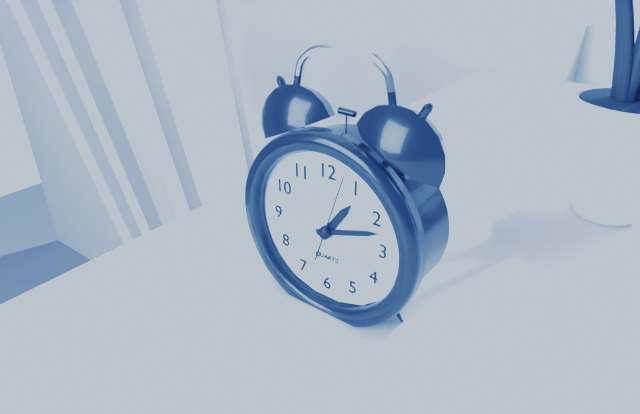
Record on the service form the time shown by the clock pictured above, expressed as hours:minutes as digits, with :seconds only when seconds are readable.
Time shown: 1:12:03
